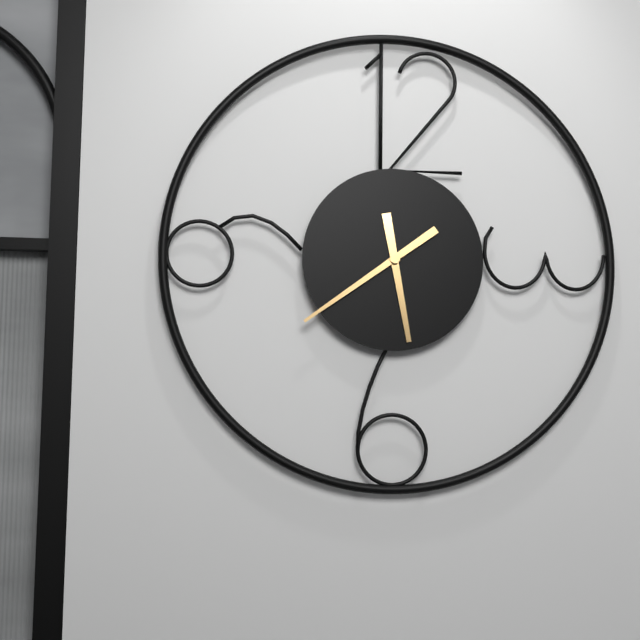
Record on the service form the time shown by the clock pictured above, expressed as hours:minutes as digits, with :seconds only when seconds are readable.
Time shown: 5:39
